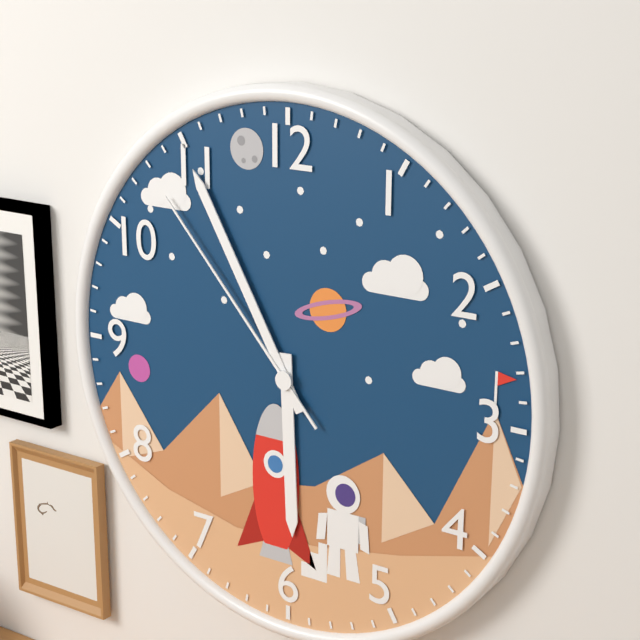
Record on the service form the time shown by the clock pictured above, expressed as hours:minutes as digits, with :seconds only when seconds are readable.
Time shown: 5:55:53
